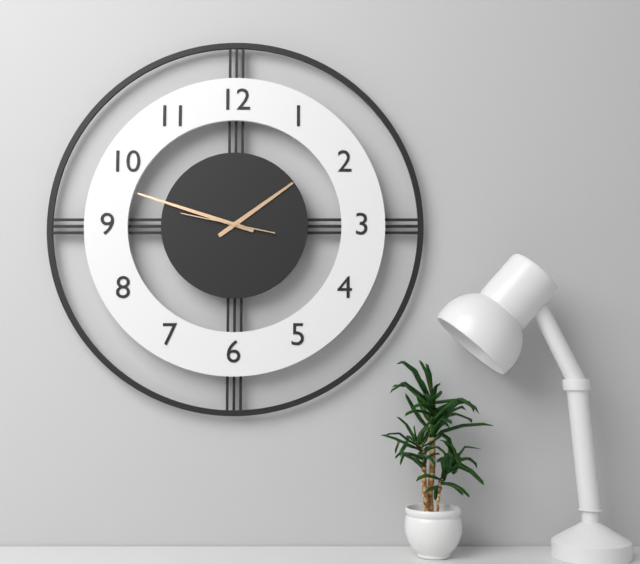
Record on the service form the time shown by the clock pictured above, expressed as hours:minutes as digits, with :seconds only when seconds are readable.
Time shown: 1:48:47
